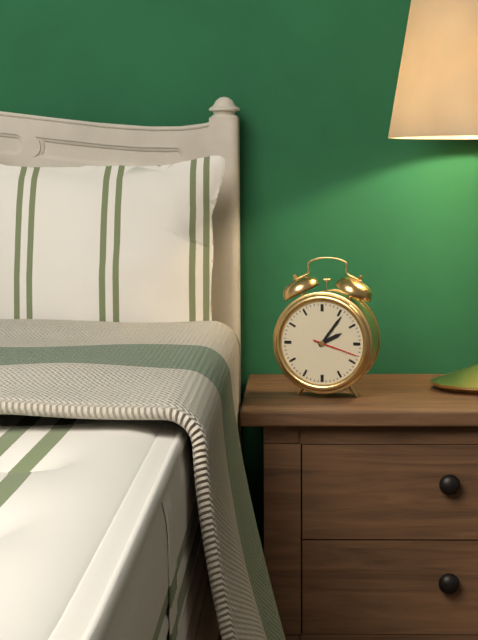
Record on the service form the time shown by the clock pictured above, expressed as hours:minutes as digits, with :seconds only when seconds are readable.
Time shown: 2:06
